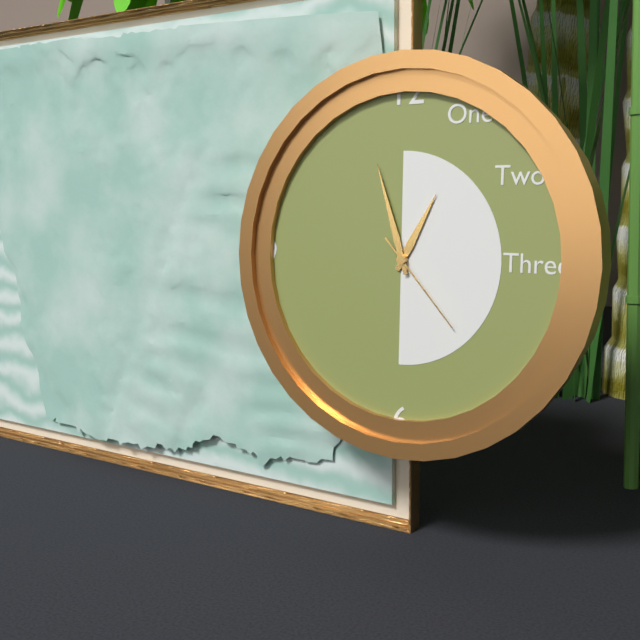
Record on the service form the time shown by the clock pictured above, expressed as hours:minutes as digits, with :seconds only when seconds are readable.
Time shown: 12:57:23
